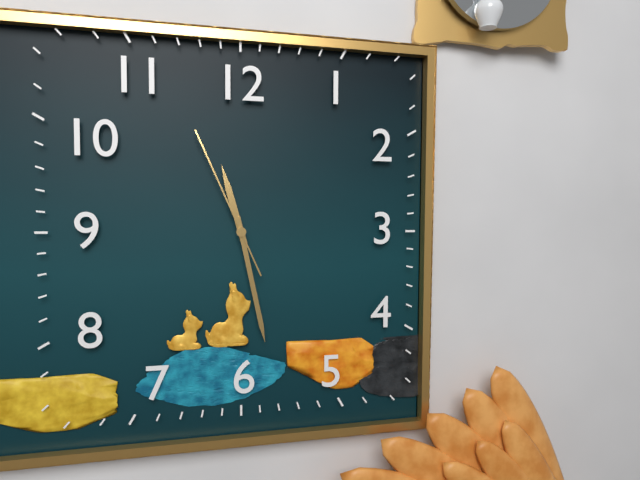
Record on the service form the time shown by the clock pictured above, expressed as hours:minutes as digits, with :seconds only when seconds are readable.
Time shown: 11:28:56
